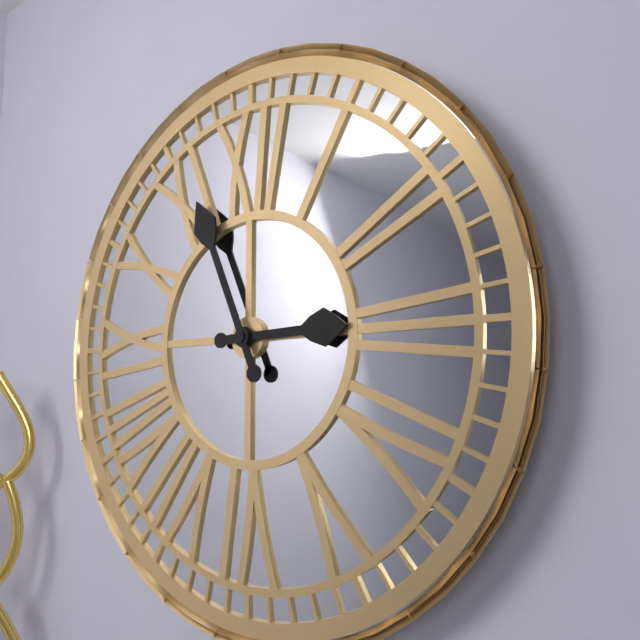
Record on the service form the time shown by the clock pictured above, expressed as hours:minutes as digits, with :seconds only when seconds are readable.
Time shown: 2:56
